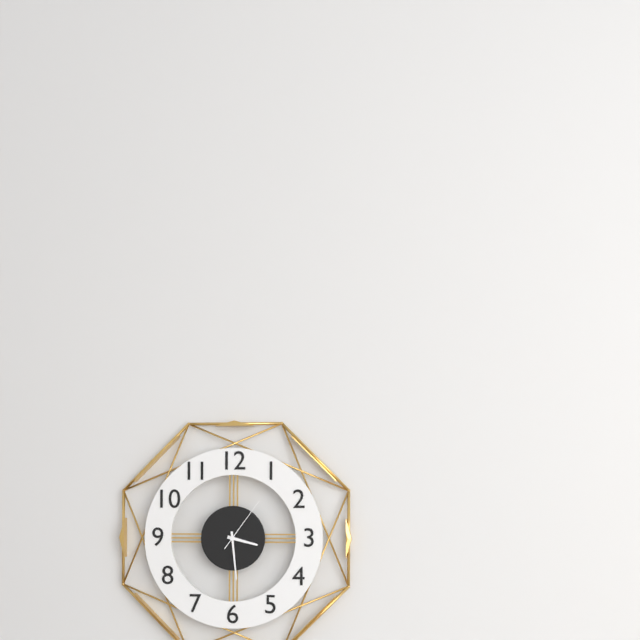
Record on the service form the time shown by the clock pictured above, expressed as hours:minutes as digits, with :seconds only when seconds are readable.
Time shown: 3:29:06
